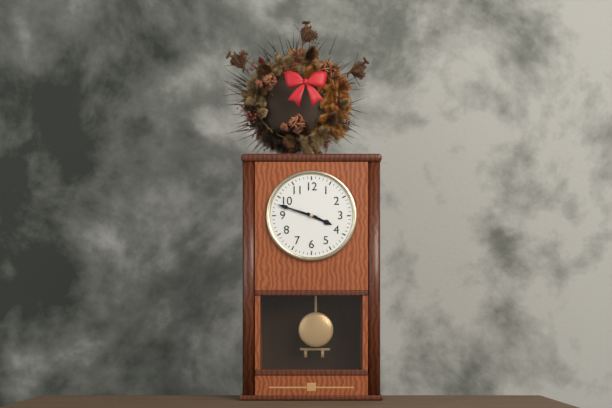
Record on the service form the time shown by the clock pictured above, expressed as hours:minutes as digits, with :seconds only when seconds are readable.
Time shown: 3:48
